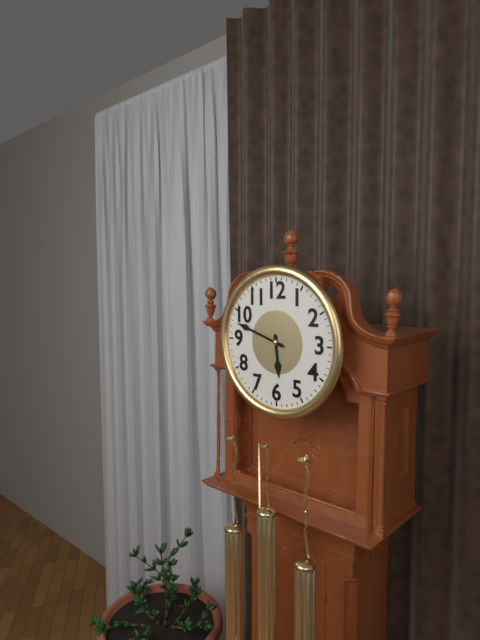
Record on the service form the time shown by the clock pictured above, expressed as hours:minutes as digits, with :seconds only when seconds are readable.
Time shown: 5:48
